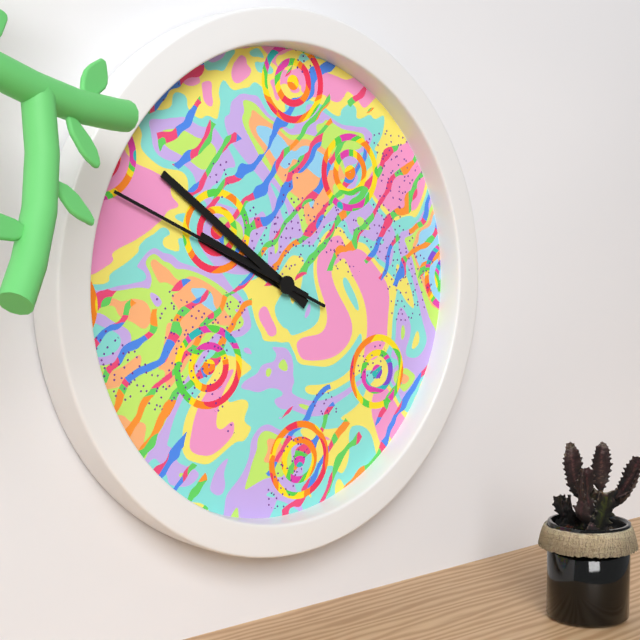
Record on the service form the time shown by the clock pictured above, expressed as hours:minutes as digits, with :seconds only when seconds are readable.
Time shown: 9:51:49
